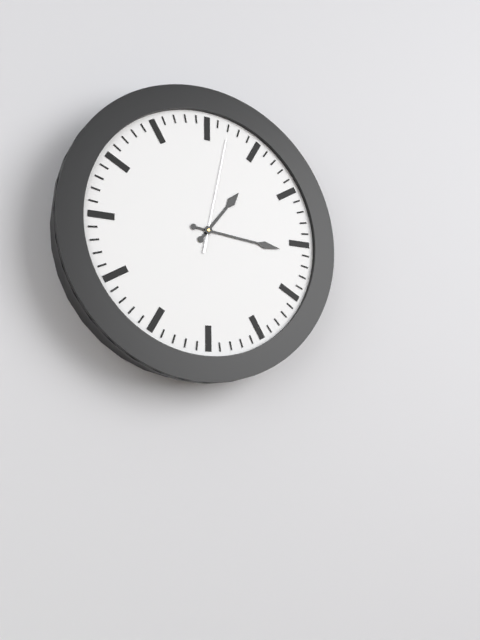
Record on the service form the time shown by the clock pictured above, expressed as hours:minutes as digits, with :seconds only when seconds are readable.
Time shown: 1:16:02
